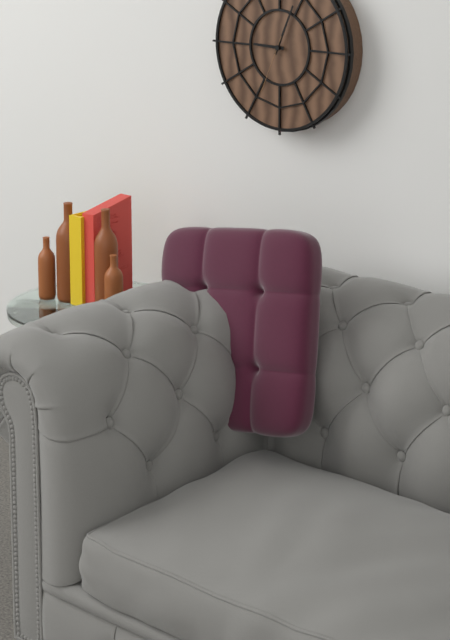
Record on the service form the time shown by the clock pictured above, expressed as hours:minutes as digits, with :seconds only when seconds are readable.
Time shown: 9:04:34
